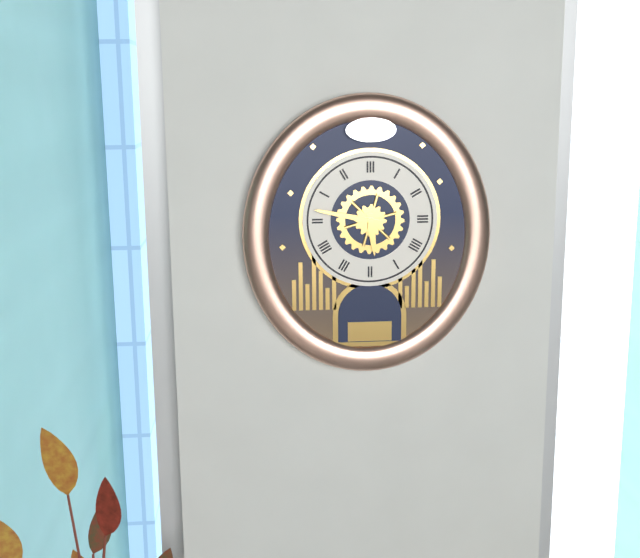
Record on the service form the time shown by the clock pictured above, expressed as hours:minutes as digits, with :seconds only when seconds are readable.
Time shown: 5:47
